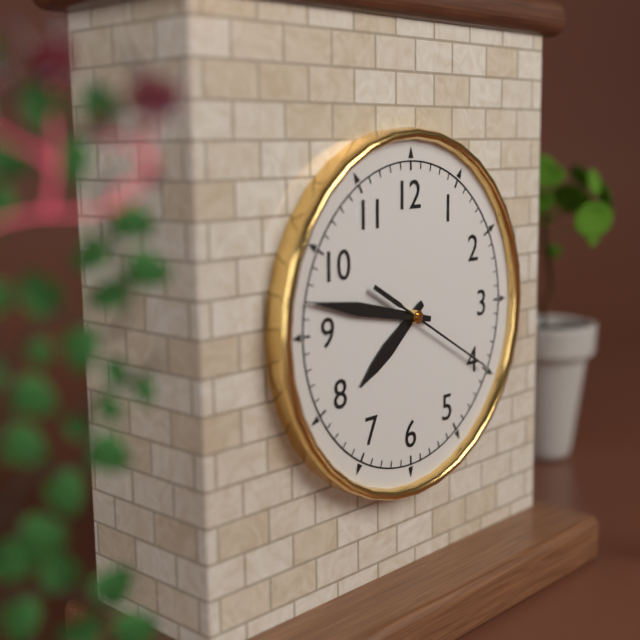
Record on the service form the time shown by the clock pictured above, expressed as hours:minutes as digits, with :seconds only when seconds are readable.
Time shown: 7:47:20
